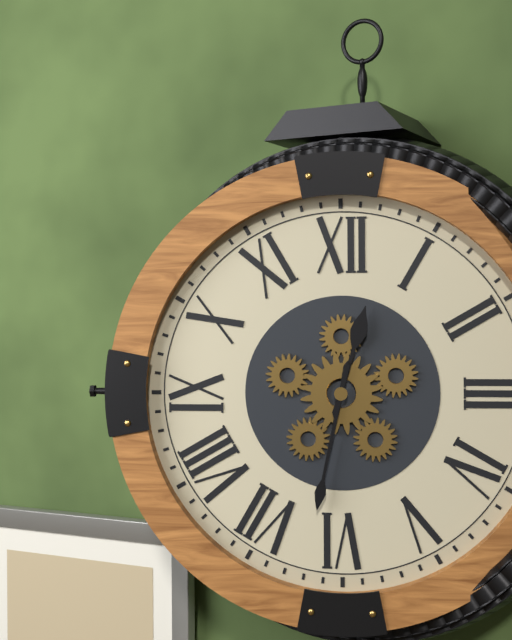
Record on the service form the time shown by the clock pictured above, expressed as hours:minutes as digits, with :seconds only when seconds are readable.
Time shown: 12:32
